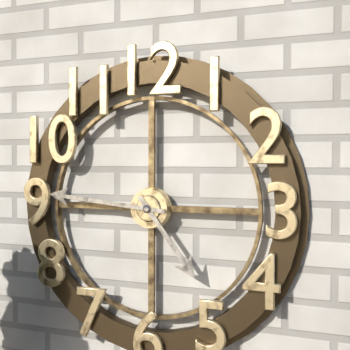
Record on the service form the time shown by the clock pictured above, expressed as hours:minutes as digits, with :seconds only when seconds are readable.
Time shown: 4:46
